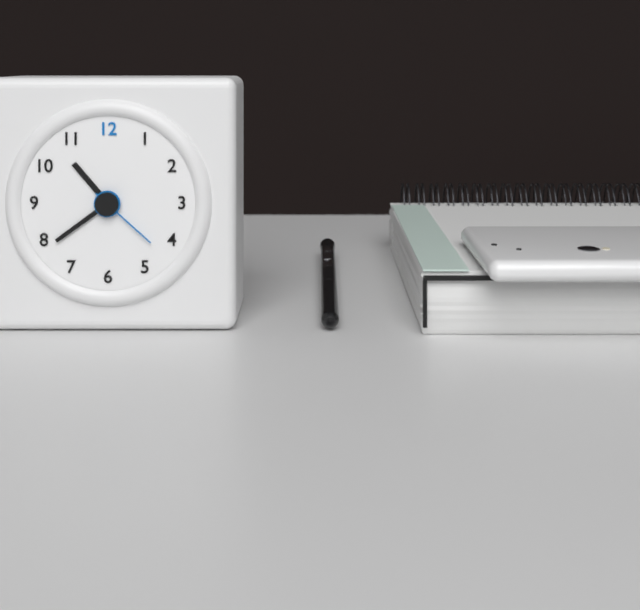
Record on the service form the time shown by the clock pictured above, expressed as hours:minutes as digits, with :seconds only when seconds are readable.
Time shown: 10:39:22
